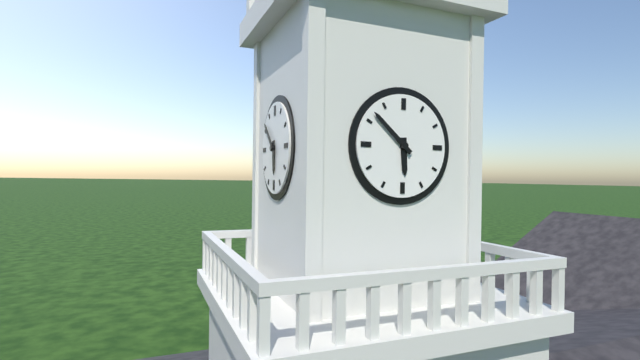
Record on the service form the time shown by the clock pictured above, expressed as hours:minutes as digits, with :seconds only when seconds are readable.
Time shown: 5:52
